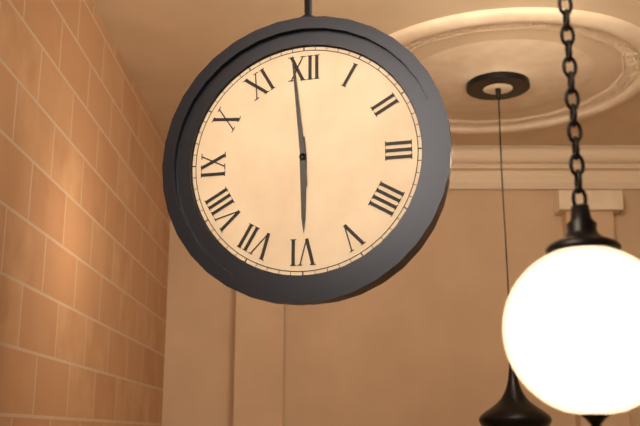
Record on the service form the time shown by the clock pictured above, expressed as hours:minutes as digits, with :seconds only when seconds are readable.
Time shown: 5:59
